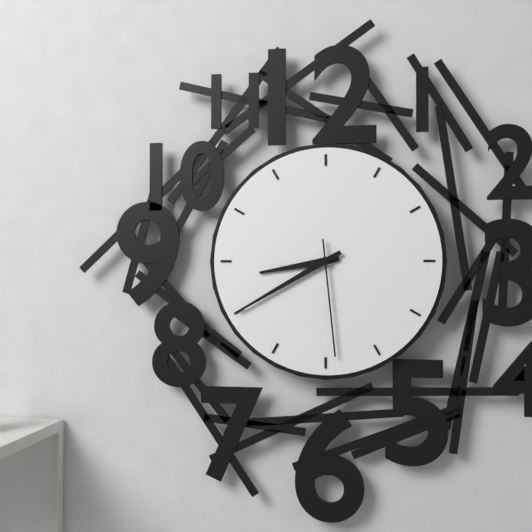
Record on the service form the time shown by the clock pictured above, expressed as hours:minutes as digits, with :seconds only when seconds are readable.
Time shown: 8:40:29
